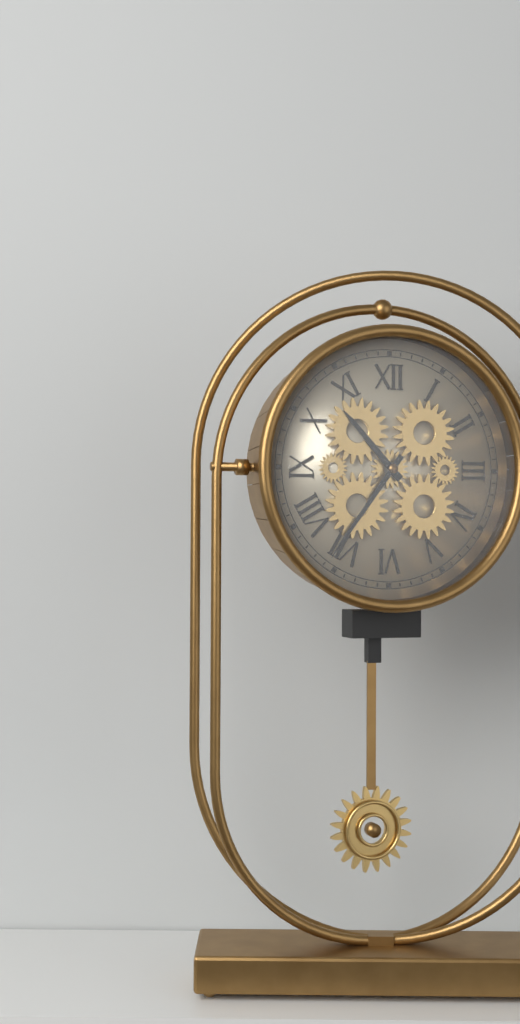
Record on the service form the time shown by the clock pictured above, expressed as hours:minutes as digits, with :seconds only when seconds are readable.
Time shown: 10:36
